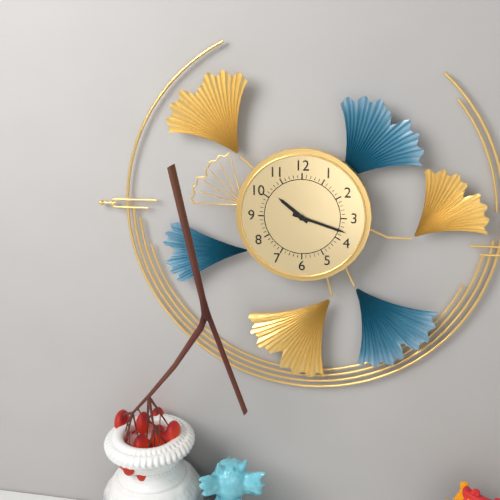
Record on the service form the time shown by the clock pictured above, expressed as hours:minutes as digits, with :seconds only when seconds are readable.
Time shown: 10:18
